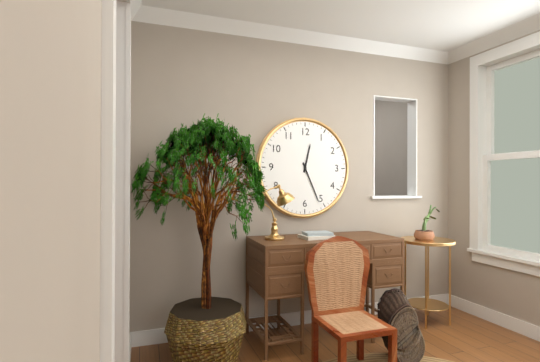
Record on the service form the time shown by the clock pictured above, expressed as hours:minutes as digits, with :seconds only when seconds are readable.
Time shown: 12:26
